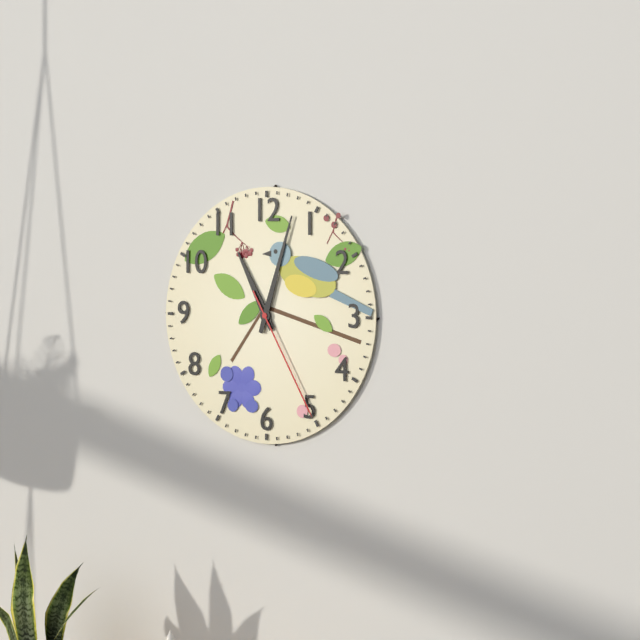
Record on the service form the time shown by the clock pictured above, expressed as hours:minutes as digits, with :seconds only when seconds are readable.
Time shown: 11:03:25
